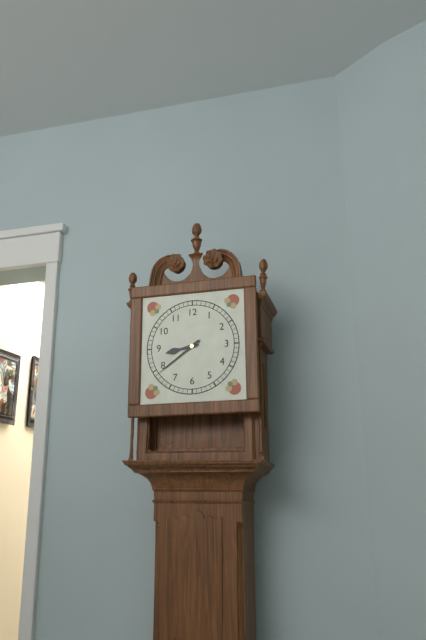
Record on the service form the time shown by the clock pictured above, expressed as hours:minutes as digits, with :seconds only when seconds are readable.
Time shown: 8:39
